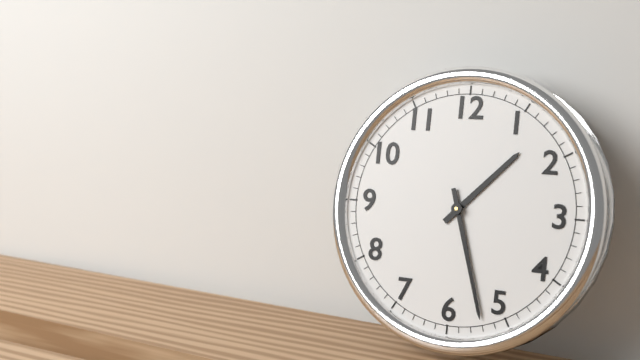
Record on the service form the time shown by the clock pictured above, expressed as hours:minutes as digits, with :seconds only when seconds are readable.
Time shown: 1:27
